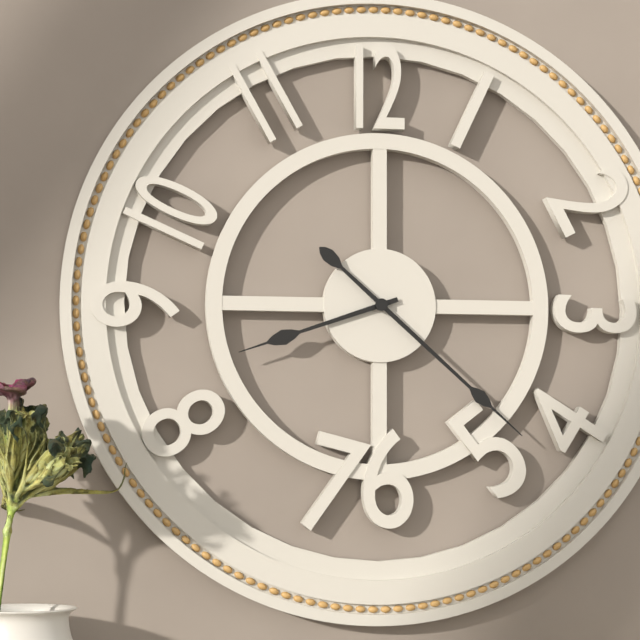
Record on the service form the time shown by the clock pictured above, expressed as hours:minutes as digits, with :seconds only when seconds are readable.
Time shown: 8:22
